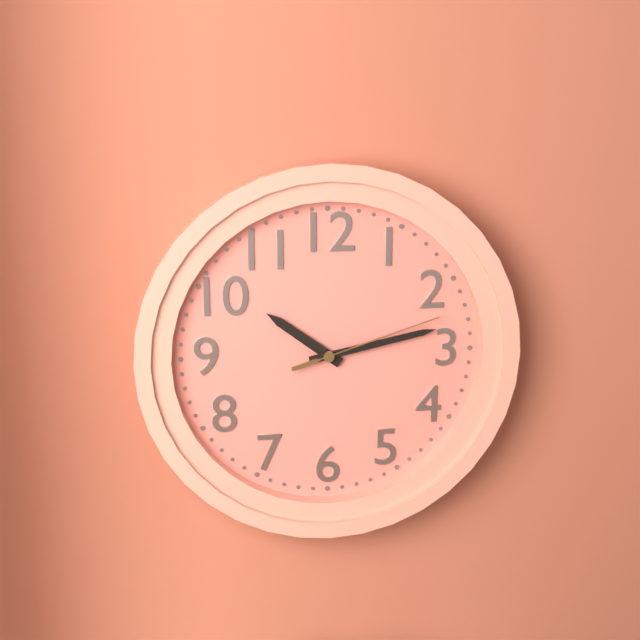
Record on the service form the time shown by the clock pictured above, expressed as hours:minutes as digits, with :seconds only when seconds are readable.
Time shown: 10:13:12
